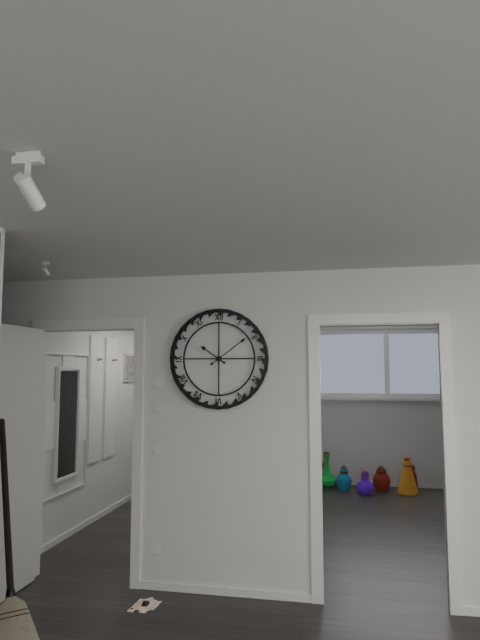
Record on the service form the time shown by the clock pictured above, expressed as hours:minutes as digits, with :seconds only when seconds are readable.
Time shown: 10:09
